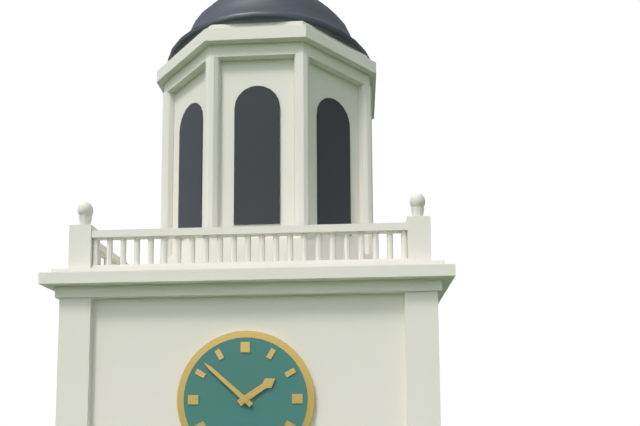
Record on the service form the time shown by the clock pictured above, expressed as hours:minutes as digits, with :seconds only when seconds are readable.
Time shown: 1:52
